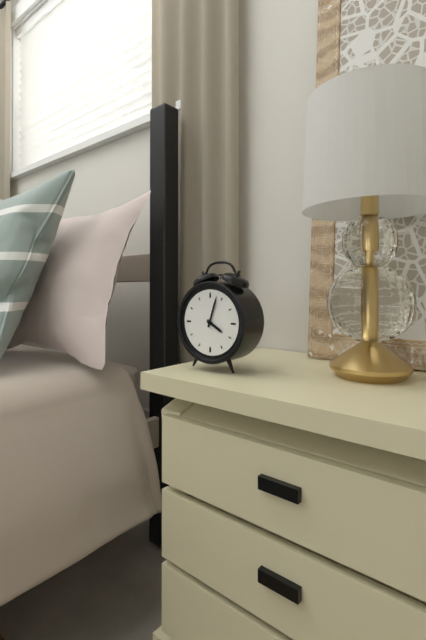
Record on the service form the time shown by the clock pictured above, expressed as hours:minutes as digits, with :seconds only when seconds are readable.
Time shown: 4:03
